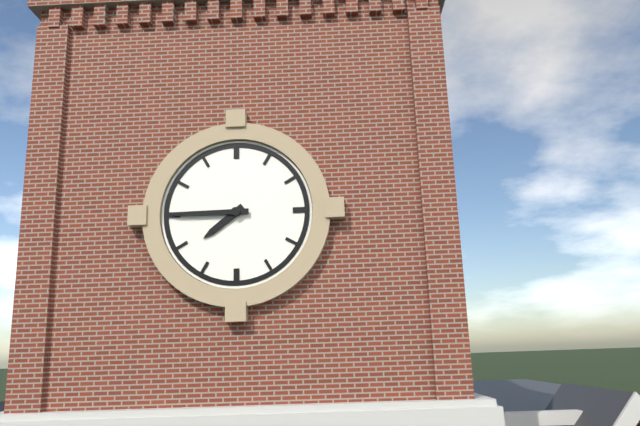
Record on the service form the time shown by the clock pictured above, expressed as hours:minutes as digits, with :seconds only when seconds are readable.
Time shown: 7:45
